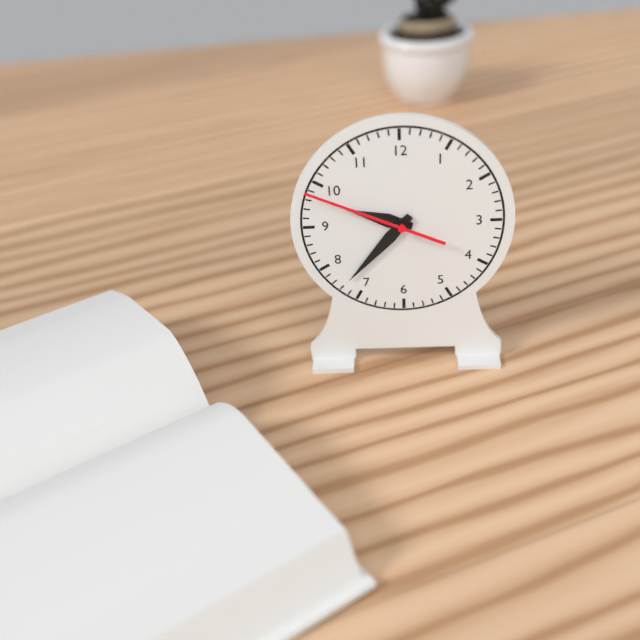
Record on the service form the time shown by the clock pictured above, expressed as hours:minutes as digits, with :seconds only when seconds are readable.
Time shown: 9:37:49
